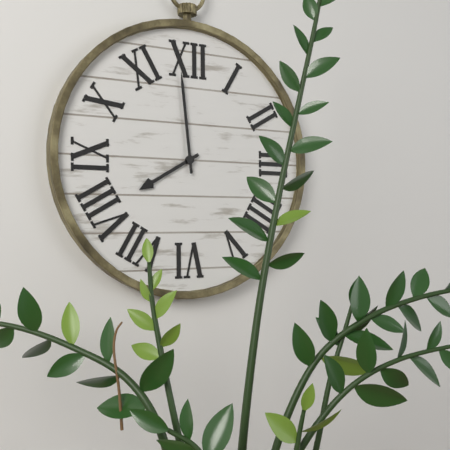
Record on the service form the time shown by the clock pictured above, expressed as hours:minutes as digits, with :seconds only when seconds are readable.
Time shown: 7:59
